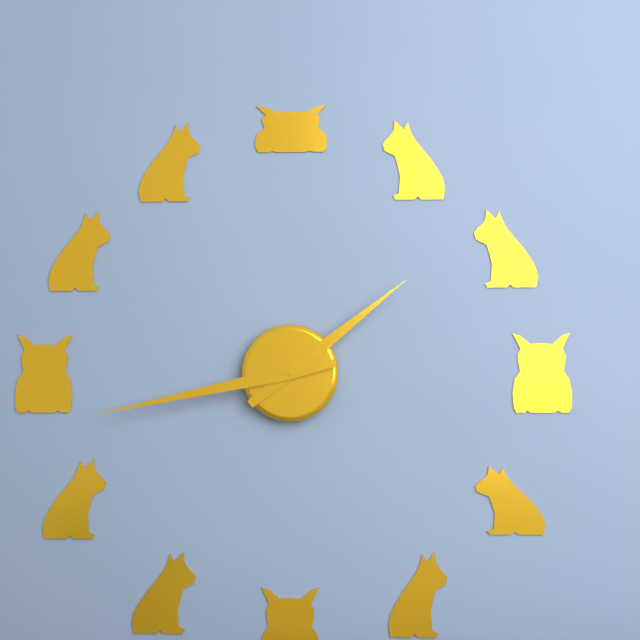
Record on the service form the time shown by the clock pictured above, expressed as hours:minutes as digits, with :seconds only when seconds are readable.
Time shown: 1:43
